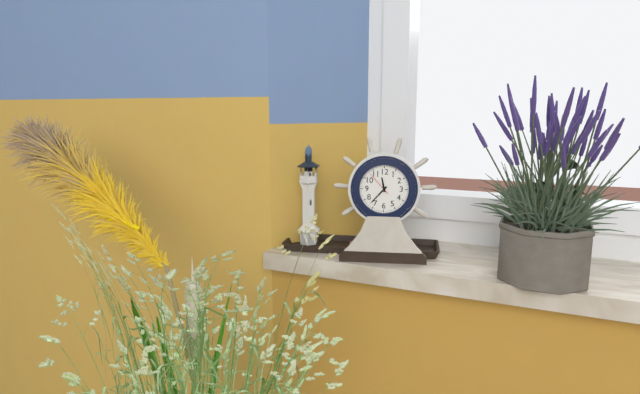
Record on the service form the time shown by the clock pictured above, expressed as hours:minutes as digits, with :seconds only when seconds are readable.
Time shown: 11:37
